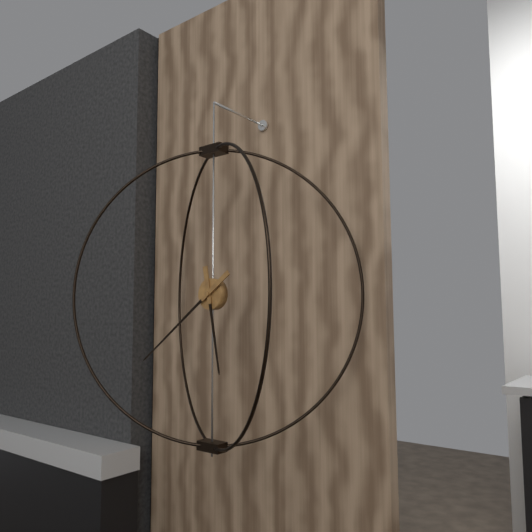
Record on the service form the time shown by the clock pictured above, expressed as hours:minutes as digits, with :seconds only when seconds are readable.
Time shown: 5:39
